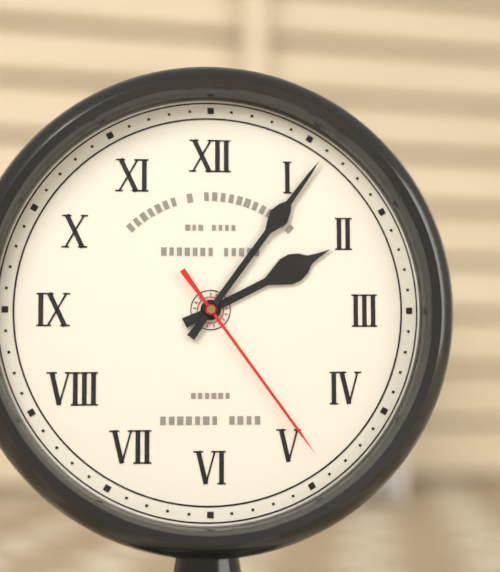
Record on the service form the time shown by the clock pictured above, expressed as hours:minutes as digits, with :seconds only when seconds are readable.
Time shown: 2:06:24
